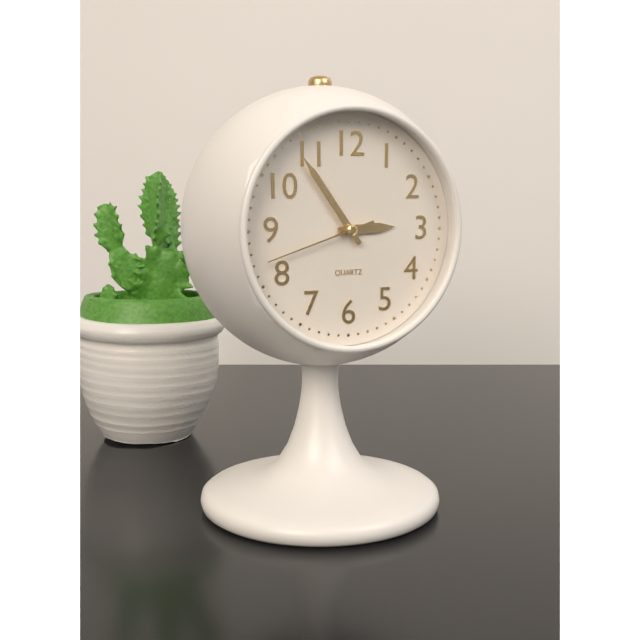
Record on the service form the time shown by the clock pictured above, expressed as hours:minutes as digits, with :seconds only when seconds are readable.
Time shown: 2:54:42
